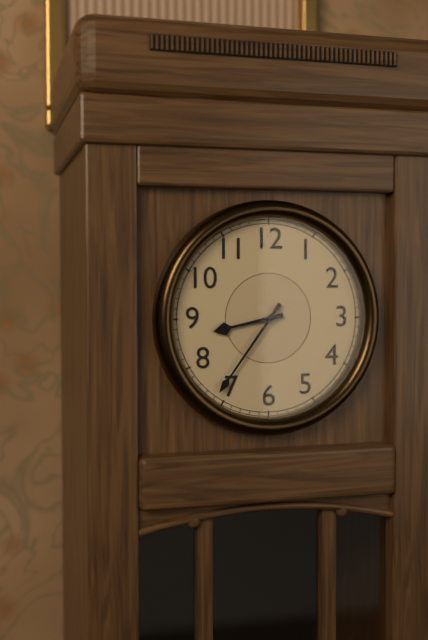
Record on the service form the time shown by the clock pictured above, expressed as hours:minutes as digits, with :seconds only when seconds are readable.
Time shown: 8:36
